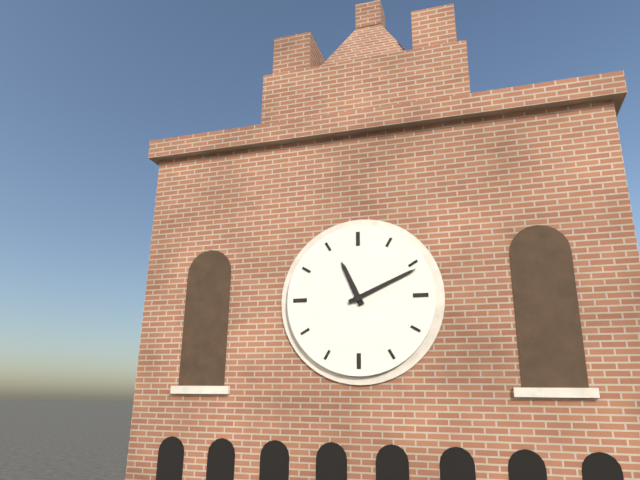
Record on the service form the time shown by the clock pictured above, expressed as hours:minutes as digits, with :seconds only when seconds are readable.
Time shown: 11:11
